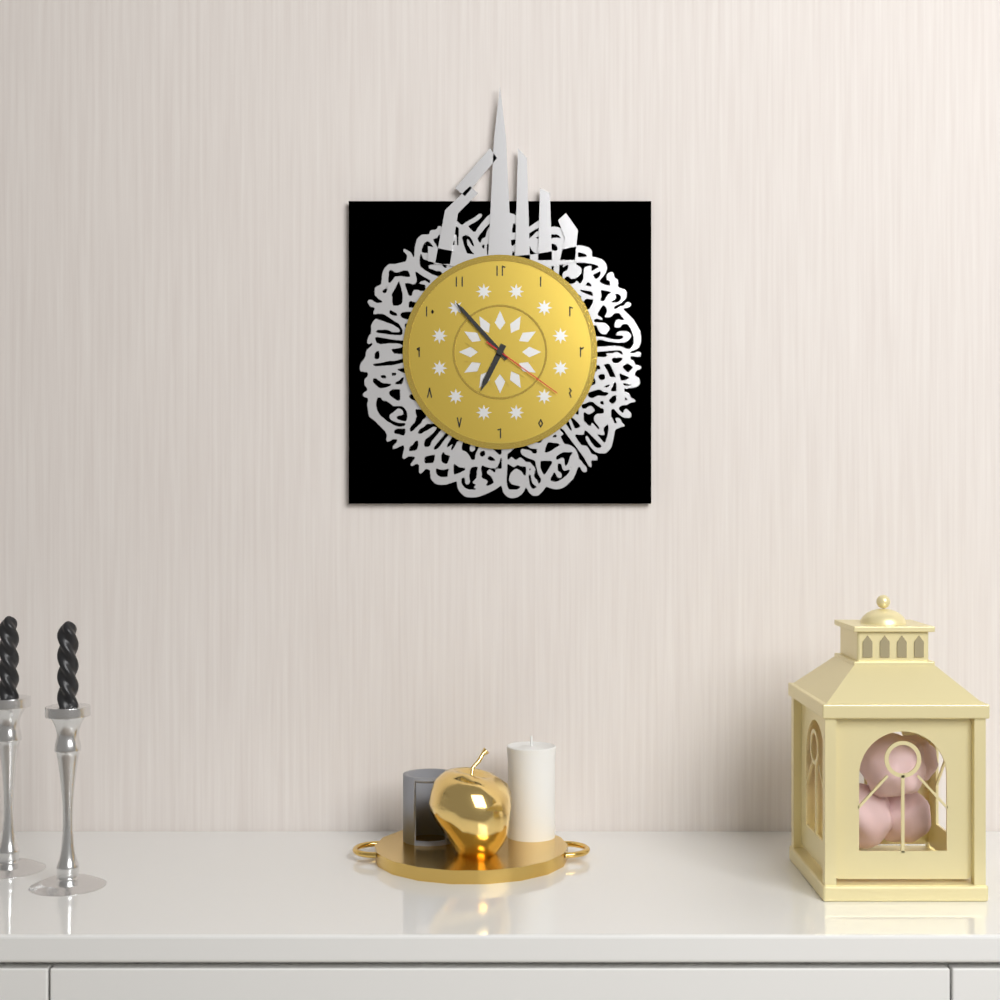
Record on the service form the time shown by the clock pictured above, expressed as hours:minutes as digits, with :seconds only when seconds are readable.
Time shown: 6:53:21
